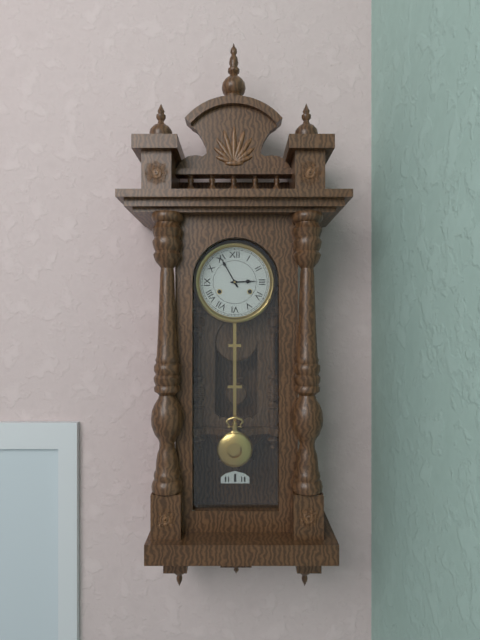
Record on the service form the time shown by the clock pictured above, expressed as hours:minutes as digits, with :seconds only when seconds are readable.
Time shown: 2:55
